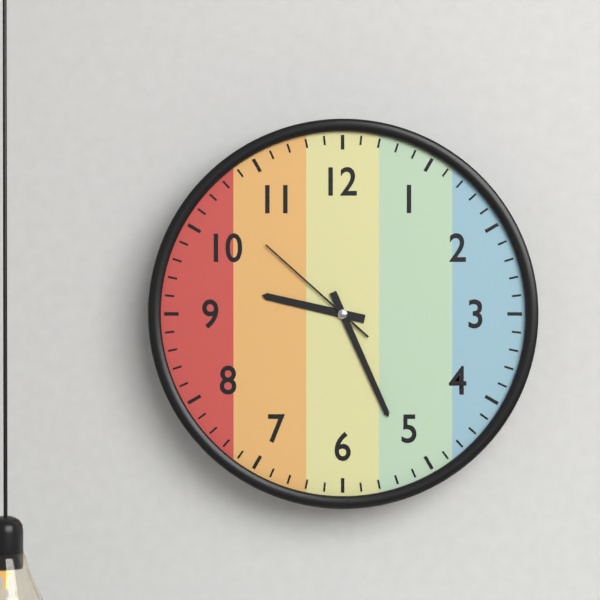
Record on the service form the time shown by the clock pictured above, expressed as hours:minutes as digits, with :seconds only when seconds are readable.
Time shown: 9:26:52
